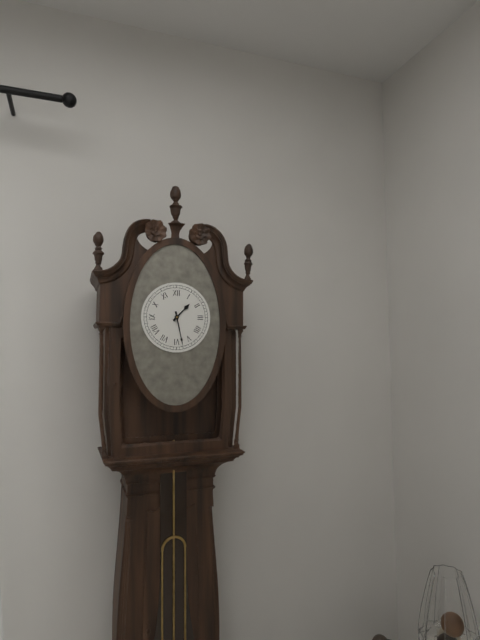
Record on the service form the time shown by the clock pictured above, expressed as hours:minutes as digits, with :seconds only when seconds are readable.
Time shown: 1:28
